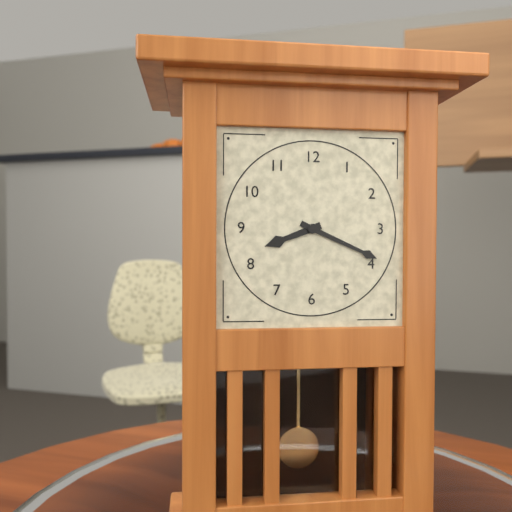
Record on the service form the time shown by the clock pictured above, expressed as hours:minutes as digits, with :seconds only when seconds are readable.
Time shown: 8:19
